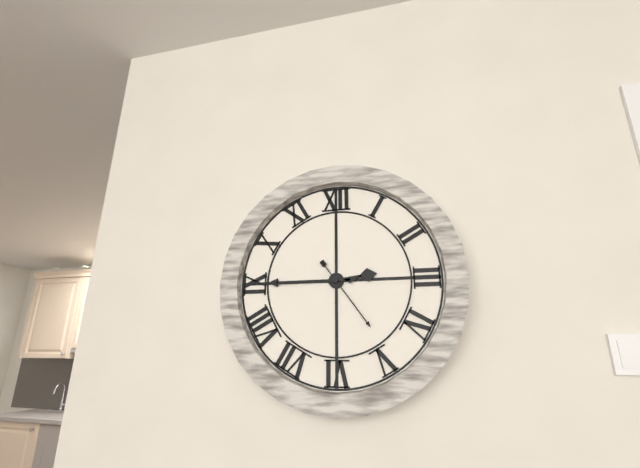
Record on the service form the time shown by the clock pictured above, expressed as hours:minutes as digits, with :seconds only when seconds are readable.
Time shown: 2:45:24
